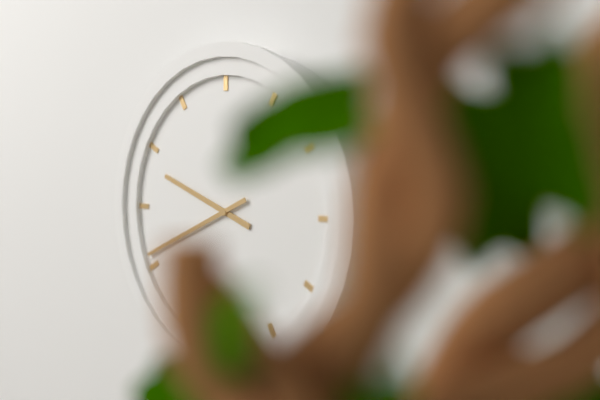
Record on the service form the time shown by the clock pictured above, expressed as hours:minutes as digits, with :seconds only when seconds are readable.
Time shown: 9:41
